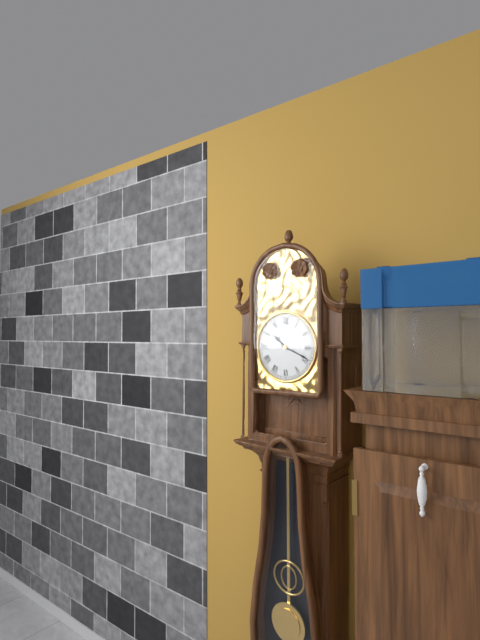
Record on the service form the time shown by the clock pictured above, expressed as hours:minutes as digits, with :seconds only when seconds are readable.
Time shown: 10:19
